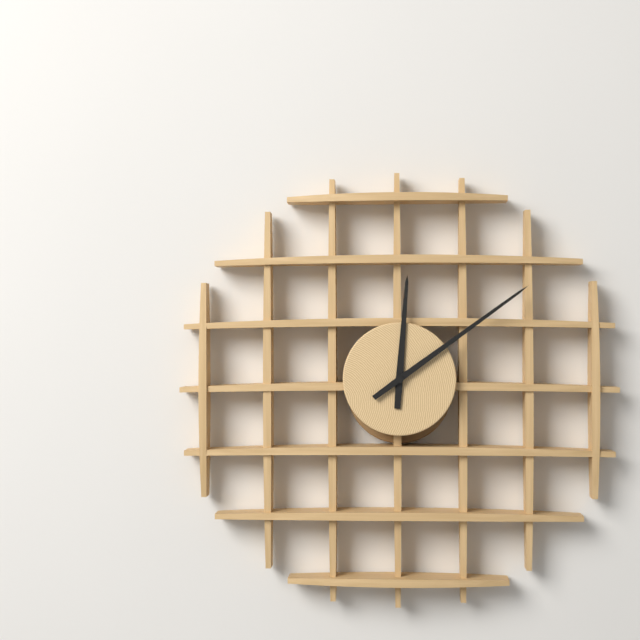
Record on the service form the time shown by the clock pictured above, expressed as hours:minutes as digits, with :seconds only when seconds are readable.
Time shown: 12:09
